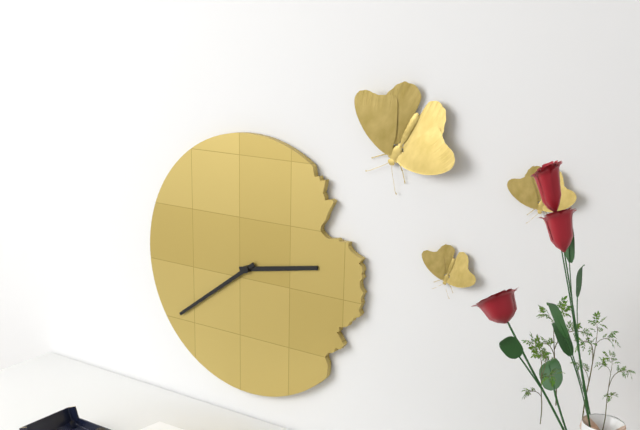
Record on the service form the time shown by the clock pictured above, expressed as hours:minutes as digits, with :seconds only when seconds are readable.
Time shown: 2:39
